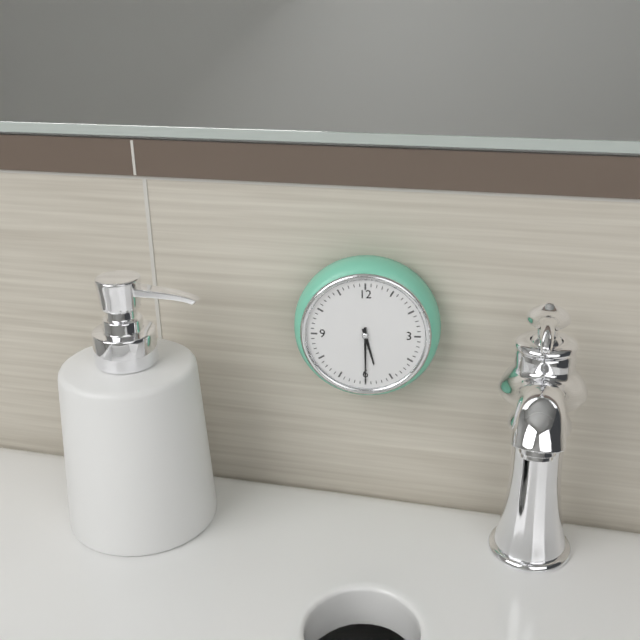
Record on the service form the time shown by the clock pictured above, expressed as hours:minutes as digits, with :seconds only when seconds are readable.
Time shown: 5:30
